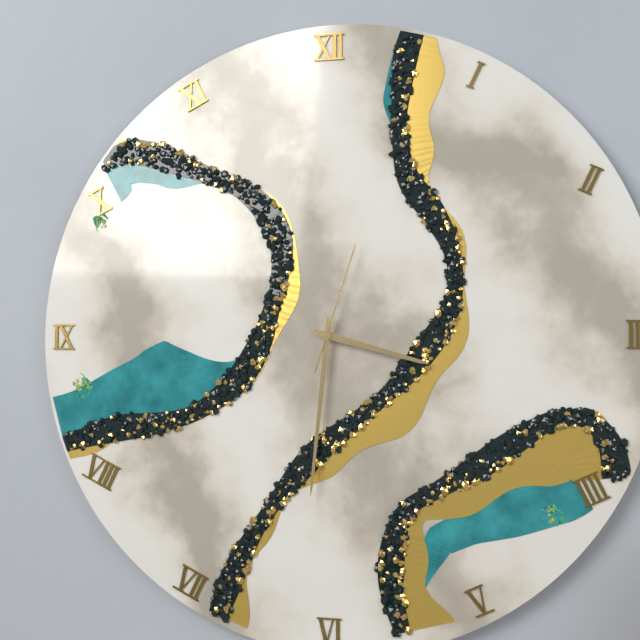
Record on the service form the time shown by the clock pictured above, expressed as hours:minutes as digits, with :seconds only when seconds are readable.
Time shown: 3:31:03
